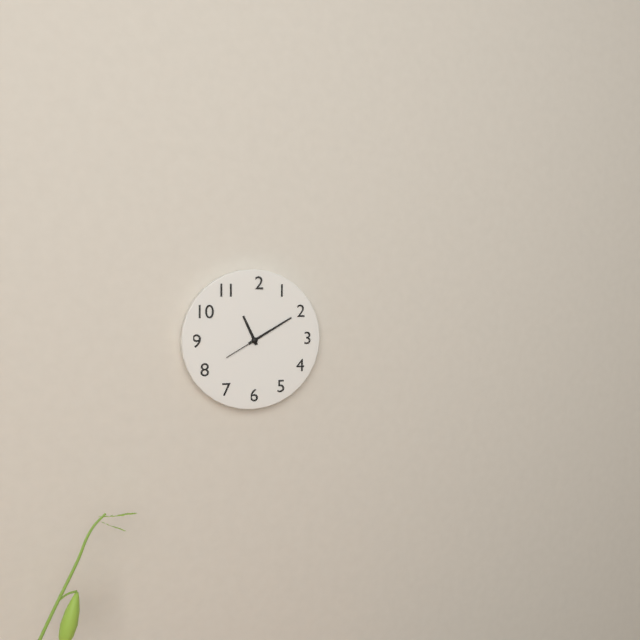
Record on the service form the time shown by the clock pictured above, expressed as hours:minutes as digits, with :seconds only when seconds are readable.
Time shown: 11:10
